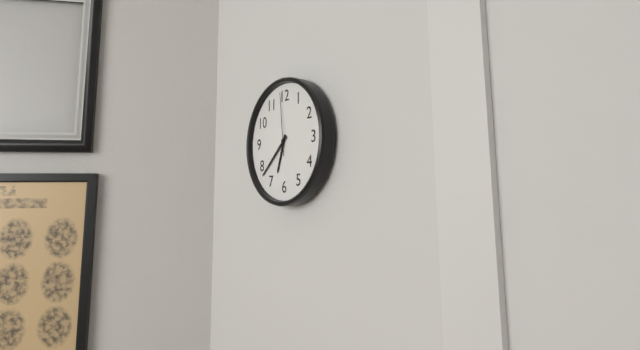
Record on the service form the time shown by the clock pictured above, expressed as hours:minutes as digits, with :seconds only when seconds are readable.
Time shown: 6:38:59
